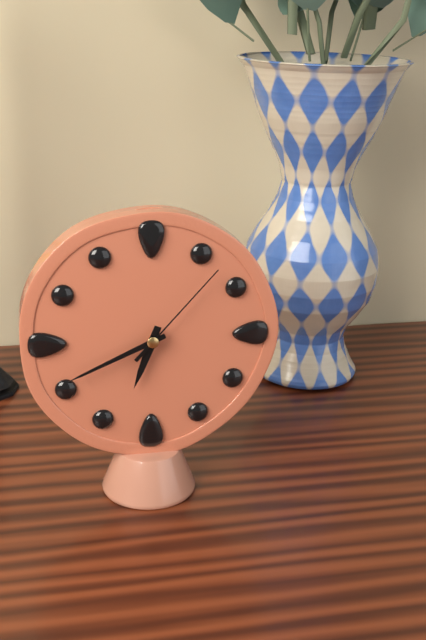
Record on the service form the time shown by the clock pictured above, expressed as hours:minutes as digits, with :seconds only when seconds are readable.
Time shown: 6:41:07
